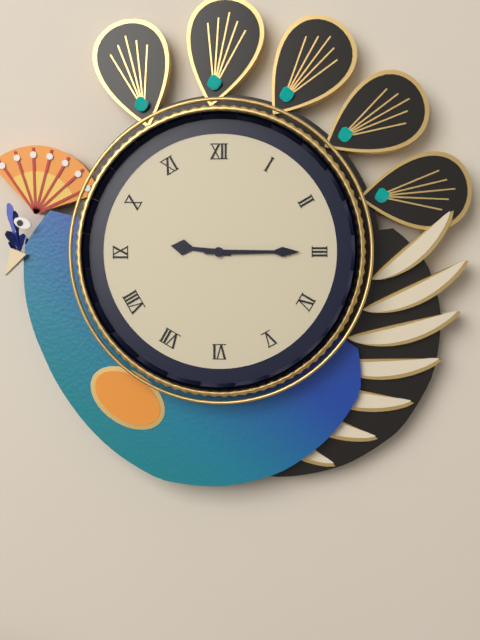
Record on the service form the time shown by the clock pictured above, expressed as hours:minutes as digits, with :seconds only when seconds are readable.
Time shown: 9:15
